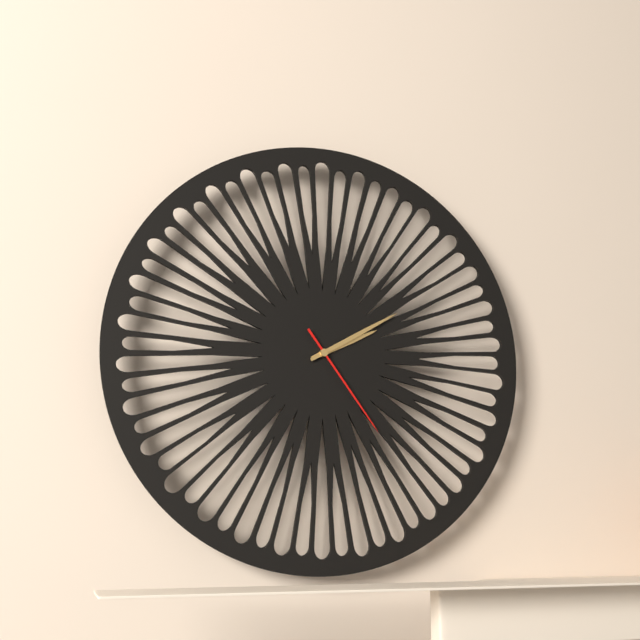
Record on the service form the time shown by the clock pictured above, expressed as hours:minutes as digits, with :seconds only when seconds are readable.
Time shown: 2:10:24
